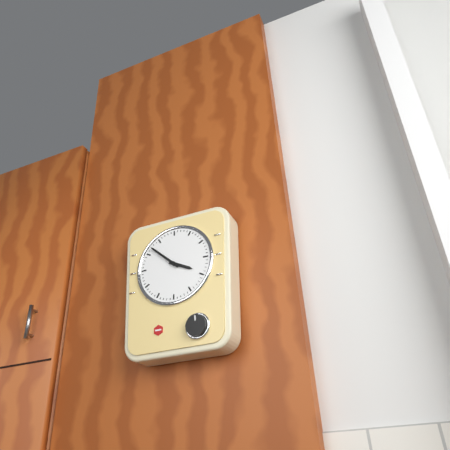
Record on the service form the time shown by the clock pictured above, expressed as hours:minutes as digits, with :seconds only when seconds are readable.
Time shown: 3:52
